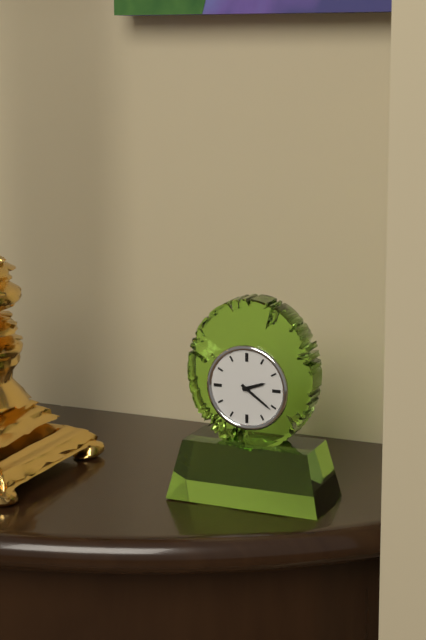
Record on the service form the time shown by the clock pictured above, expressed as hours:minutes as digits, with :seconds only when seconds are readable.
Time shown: 2:21
